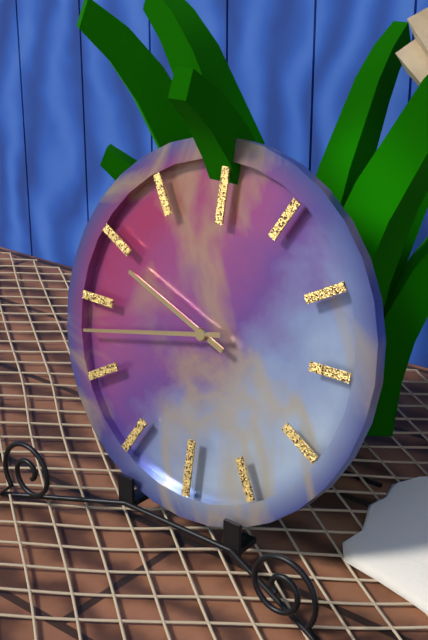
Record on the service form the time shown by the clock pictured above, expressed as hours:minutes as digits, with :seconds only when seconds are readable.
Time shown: 9:43
